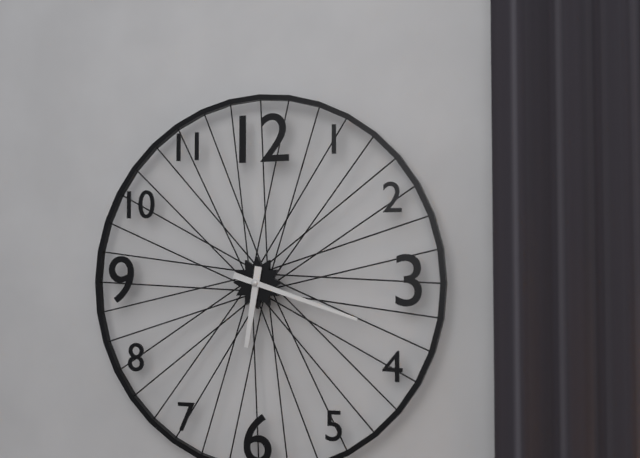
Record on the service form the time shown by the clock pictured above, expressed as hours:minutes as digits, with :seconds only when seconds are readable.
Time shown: 6:18
